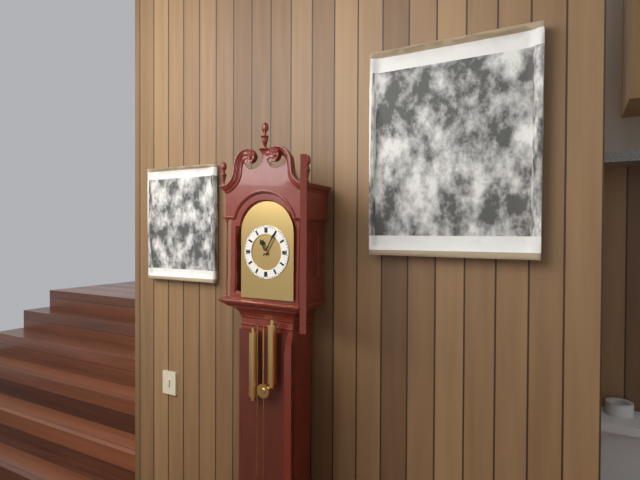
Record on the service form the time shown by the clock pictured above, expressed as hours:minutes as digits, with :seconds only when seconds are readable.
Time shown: 11:05
